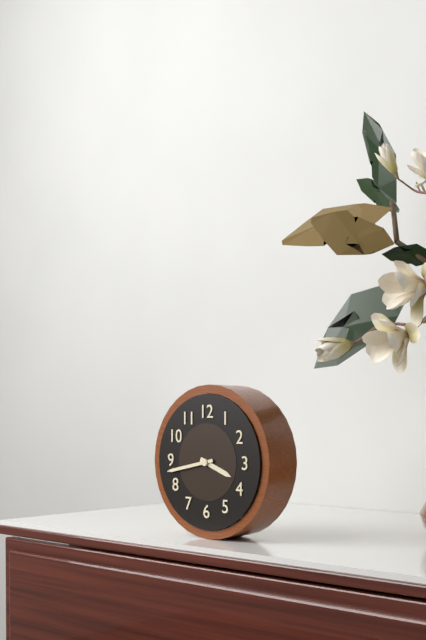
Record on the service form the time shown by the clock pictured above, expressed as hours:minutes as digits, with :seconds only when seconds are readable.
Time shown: 3:43
